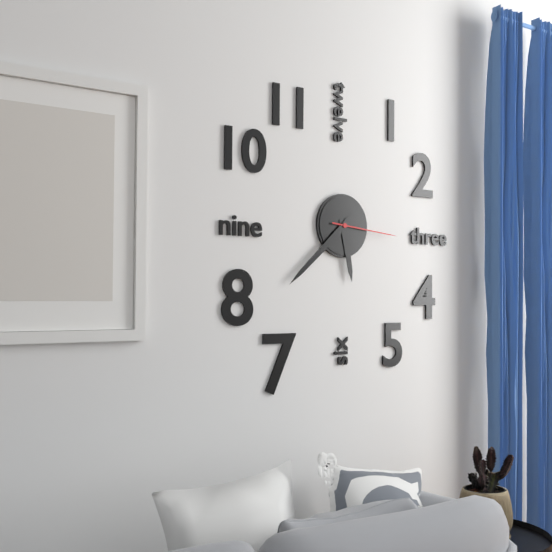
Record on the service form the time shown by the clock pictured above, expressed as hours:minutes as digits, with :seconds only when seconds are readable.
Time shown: 5:38:16
